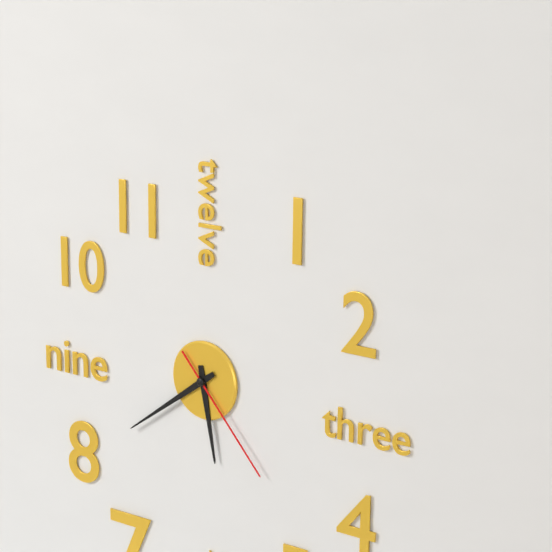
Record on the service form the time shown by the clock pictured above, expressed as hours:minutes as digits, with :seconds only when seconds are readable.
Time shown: 5:39:23
